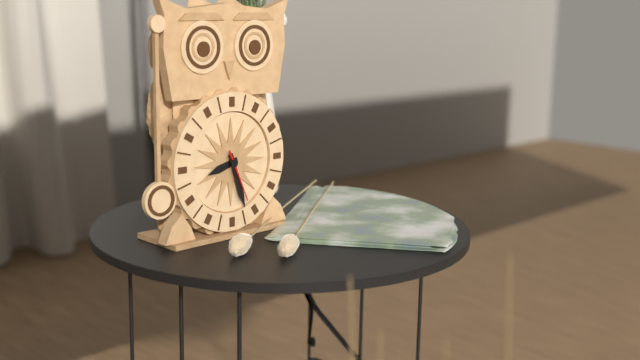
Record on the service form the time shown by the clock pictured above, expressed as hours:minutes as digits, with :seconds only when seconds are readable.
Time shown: 8:27:26
